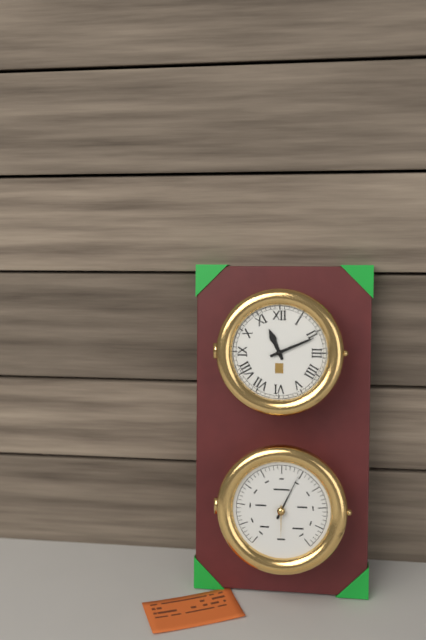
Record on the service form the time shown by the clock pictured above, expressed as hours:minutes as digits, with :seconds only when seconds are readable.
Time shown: 11:11
